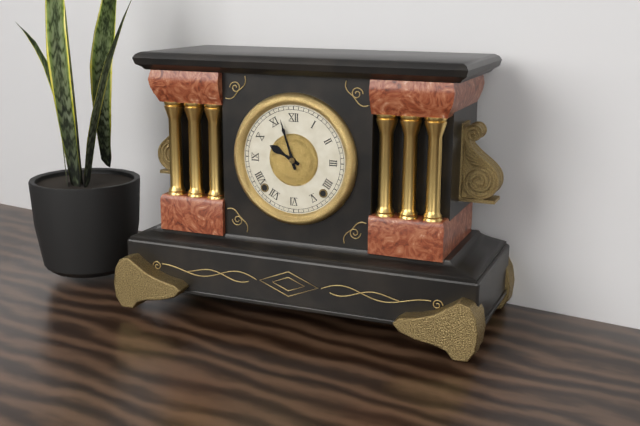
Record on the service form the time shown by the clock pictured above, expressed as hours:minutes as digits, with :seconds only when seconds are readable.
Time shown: 9:57
